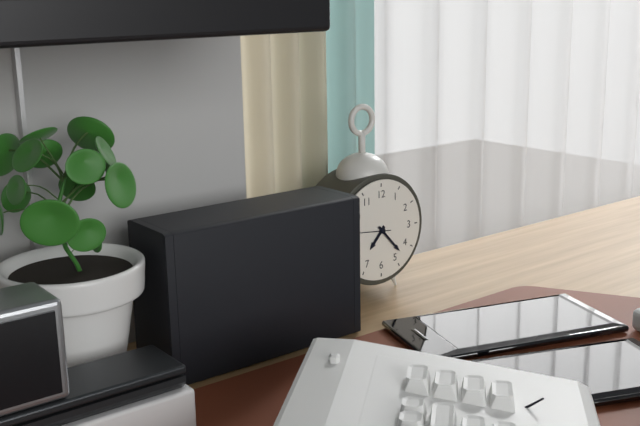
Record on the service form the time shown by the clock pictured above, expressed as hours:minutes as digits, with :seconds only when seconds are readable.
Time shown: 7:23
